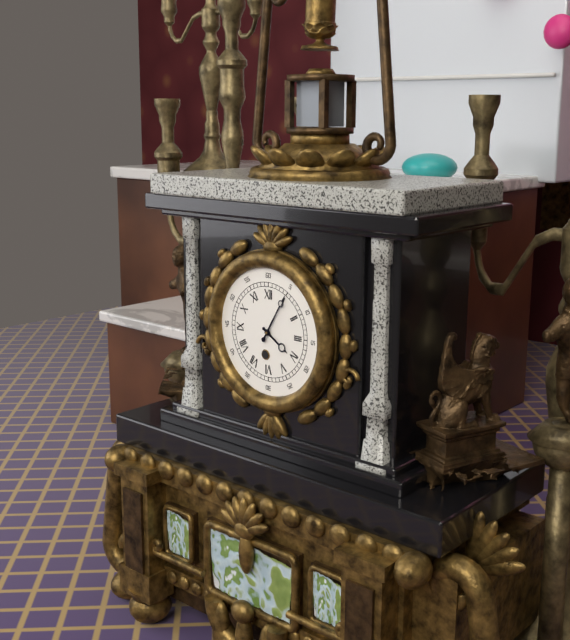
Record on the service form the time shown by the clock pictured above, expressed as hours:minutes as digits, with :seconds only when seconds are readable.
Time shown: 4:05
